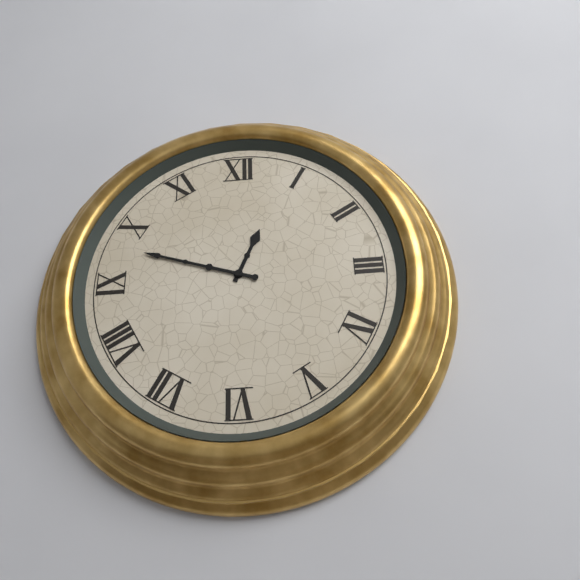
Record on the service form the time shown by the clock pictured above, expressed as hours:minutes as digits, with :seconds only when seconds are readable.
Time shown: 12:48
